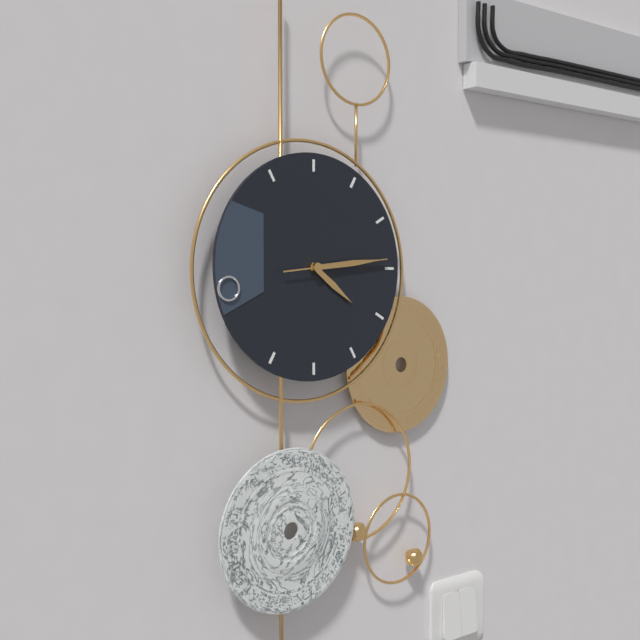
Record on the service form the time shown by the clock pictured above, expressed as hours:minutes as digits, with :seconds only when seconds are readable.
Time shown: 4:14:14
